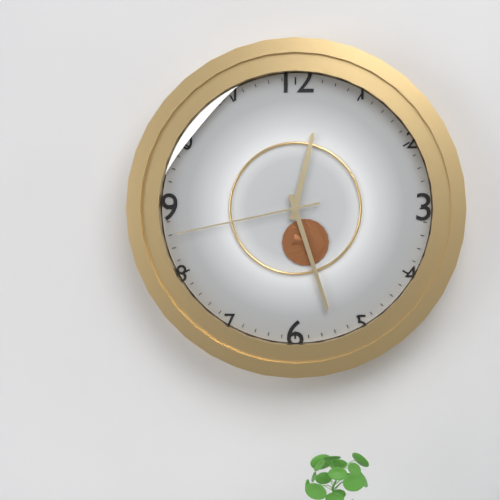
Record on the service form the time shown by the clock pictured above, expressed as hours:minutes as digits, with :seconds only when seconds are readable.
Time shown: 12:27:43
